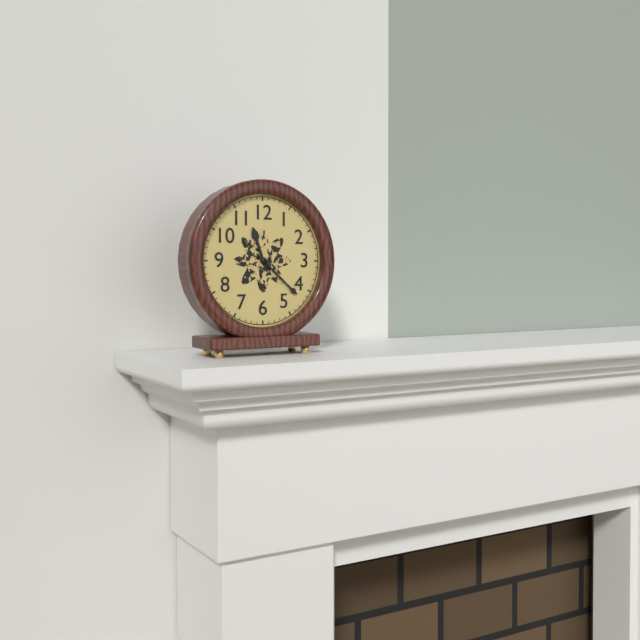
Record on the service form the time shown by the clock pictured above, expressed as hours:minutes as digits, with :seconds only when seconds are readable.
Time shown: 11:22
